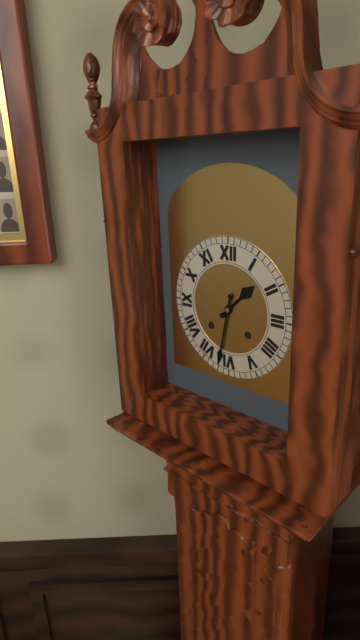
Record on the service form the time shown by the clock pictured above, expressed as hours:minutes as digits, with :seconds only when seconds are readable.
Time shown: 1:32
